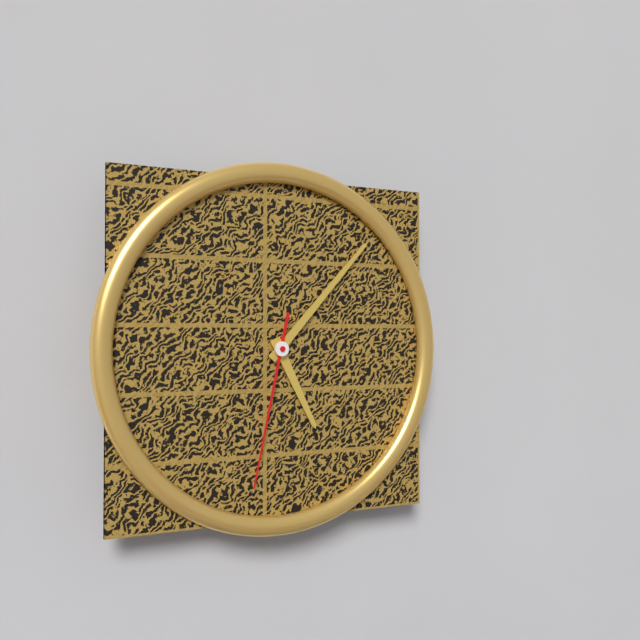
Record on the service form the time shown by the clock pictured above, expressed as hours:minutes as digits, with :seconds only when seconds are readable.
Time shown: 5:07:32
